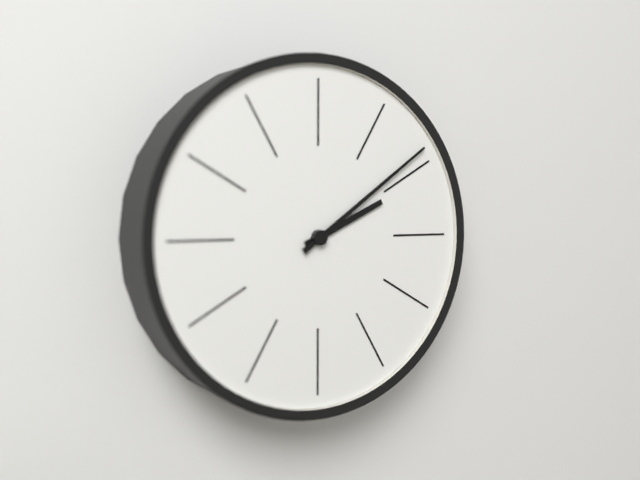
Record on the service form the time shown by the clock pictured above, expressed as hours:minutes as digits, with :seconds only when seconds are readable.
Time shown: 2:09
